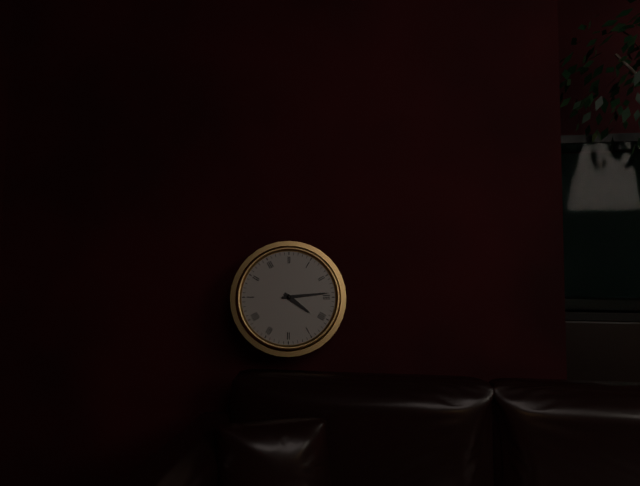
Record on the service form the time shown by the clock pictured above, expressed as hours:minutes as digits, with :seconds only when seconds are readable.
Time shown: 4:14
